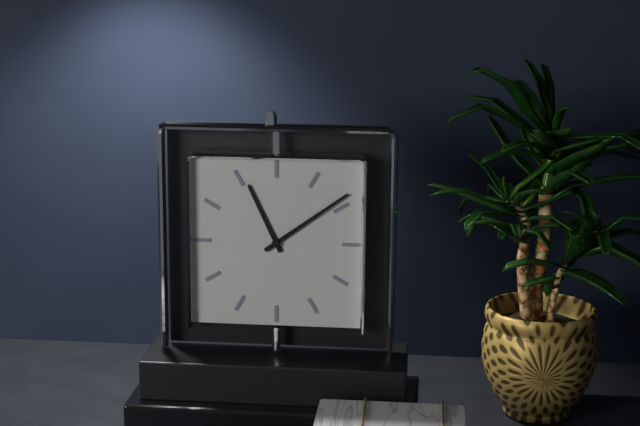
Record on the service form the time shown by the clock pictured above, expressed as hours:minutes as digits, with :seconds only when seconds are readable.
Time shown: 11:09
